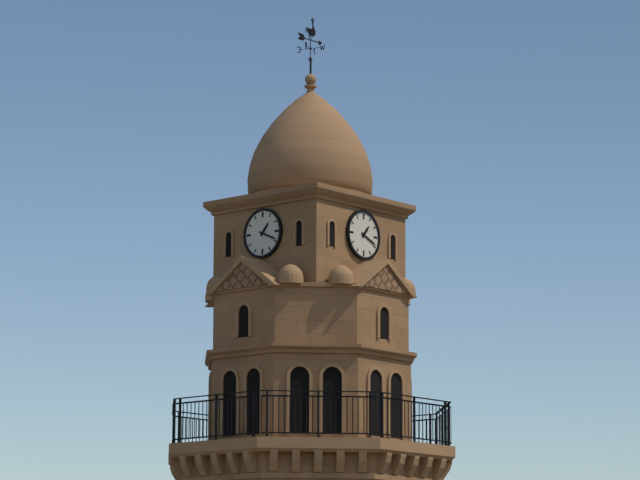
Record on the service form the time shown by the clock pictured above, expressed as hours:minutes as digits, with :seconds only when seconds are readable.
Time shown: 1:19
